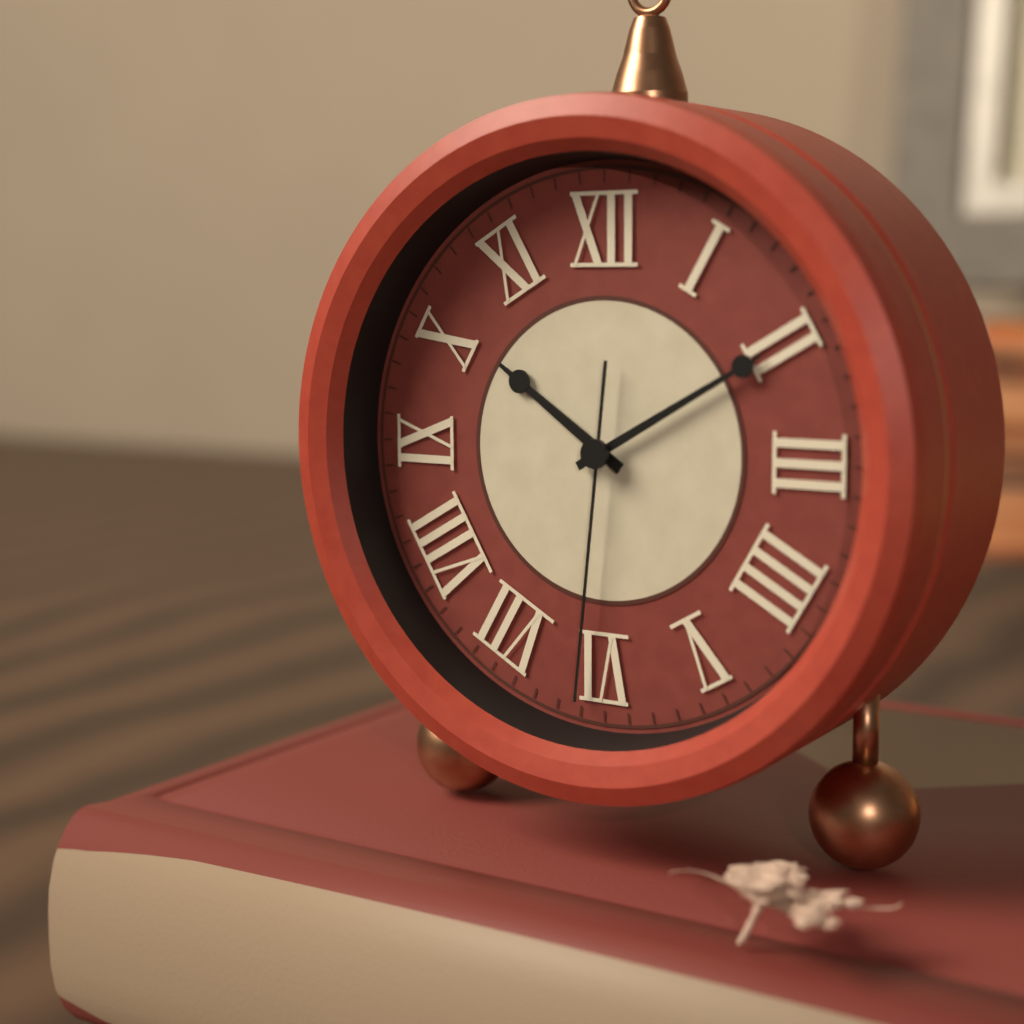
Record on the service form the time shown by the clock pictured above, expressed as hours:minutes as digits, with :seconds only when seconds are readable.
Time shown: 10:10:31
